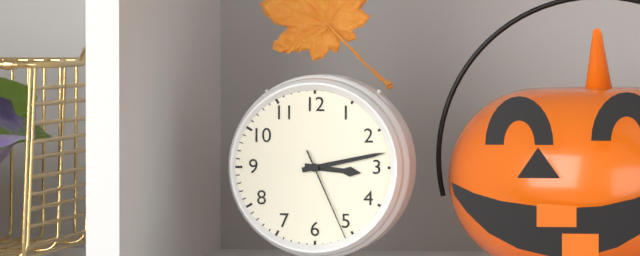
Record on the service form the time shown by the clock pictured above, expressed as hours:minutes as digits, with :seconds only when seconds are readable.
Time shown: 3:13:26
